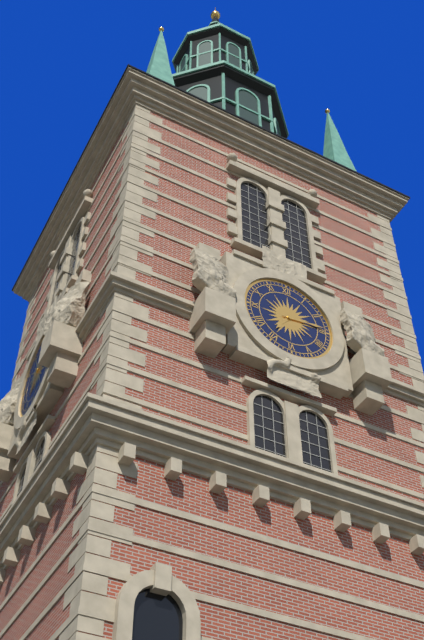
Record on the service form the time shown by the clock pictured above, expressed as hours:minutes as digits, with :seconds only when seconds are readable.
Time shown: 7:14
